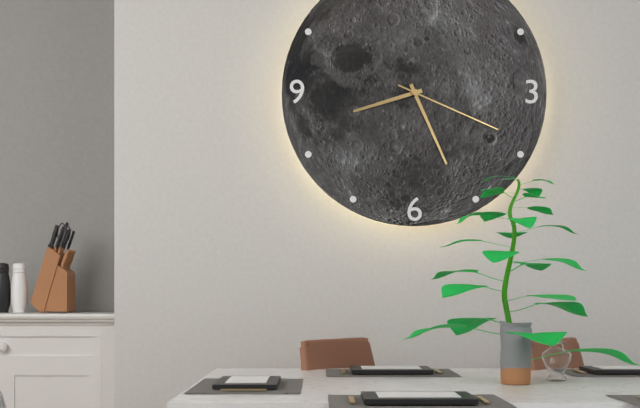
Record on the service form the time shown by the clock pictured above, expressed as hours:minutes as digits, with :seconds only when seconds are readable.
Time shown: 8:26:19
